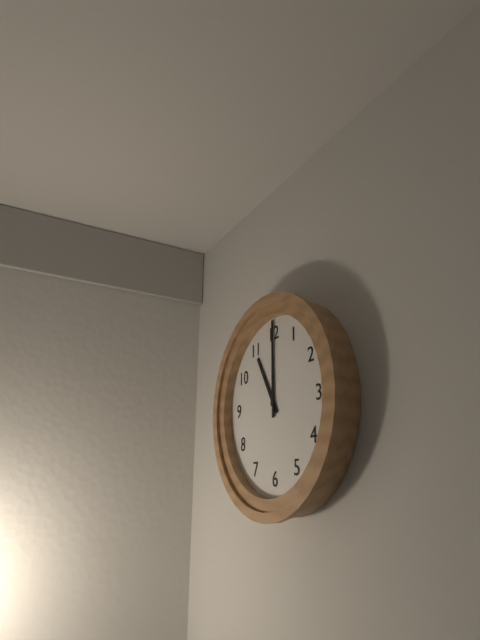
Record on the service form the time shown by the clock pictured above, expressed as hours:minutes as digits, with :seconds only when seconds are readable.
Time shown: 11:00
